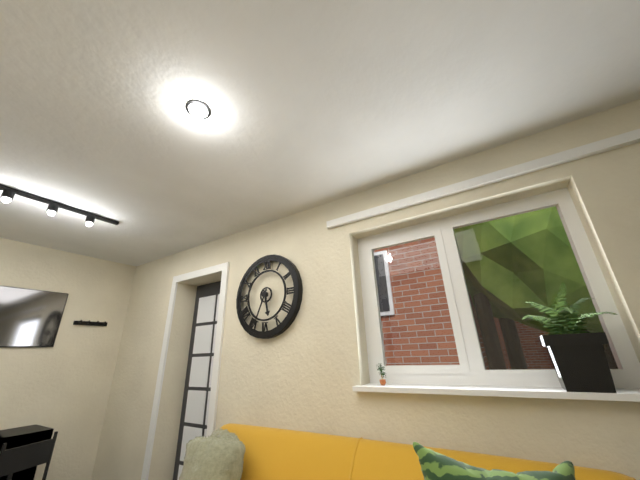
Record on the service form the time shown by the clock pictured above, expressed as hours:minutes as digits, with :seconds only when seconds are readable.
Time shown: 5:34
